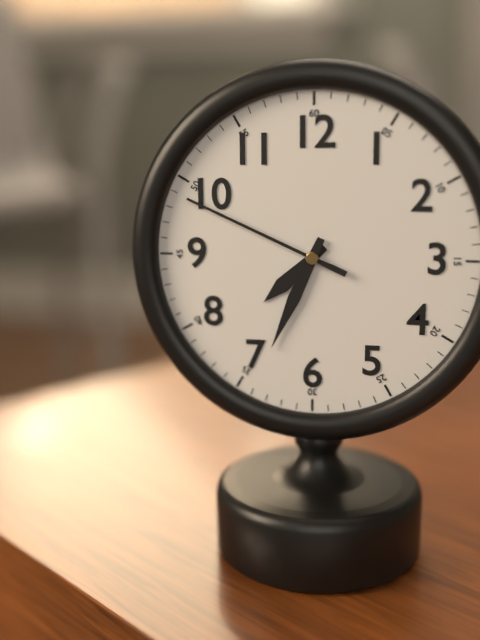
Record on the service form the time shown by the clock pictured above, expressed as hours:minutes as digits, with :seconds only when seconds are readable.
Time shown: 7:34:49
